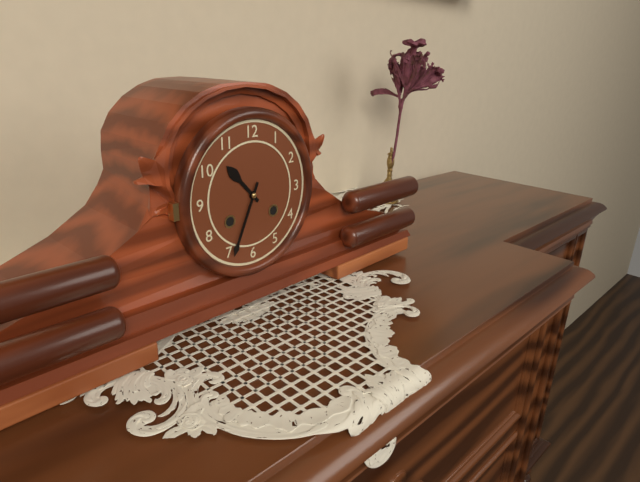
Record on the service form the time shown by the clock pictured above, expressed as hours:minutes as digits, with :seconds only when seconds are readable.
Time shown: 10:34
